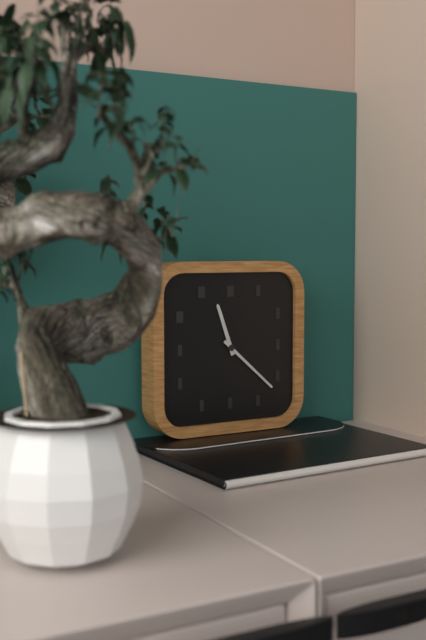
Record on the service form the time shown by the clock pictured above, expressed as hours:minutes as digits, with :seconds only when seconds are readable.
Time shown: 11:22
